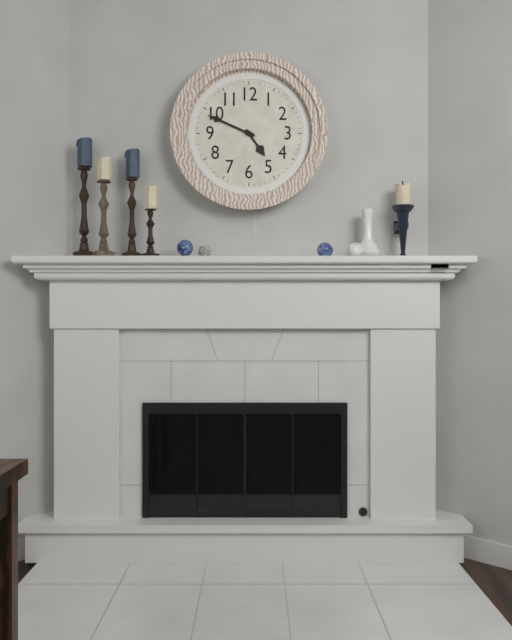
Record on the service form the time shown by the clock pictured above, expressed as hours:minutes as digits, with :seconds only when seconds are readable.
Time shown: 4:49
